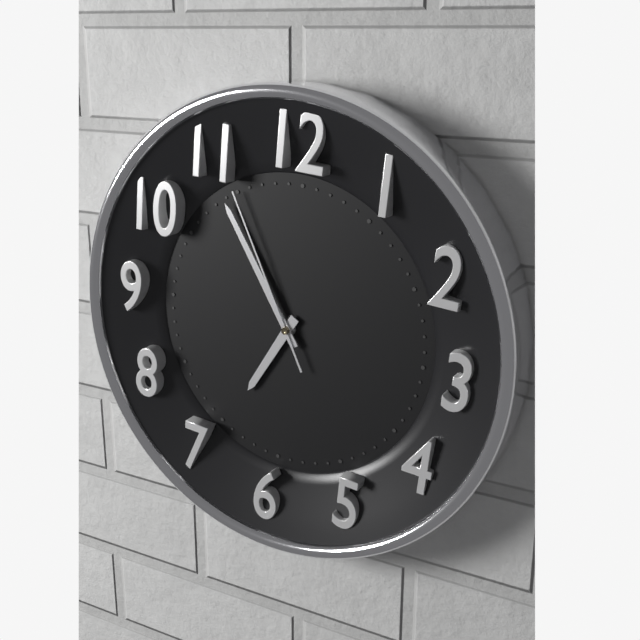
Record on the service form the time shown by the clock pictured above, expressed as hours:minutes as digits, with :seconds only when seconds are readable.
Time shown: 6:54:55
